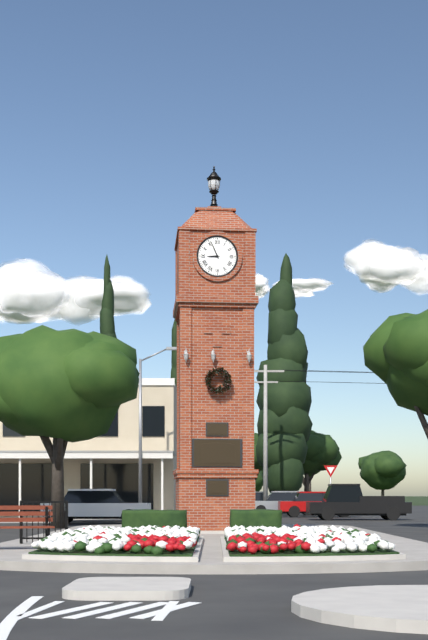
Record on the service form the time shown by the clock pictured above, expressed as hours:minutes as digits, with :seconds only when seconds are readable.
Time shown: 8:56
